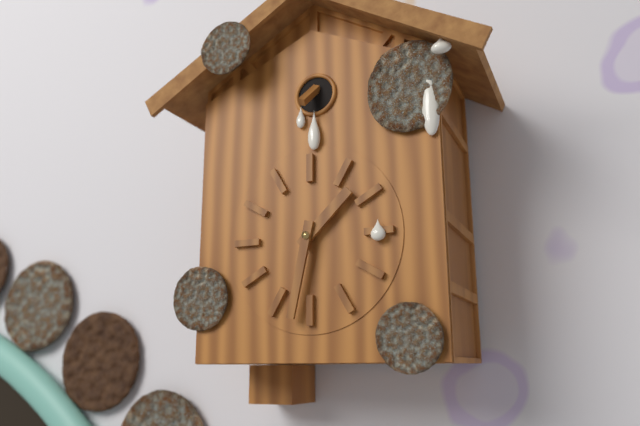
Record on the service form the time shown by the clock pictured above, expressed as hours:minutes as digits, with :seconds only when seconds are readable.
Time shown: 1:32
